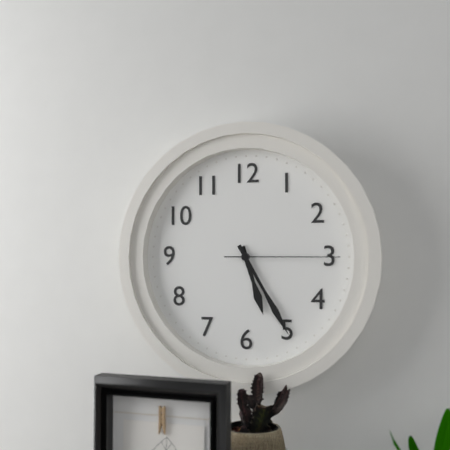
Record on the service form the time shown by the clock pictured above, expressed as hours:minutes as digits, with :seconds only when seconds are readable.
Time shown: 5:25:15
